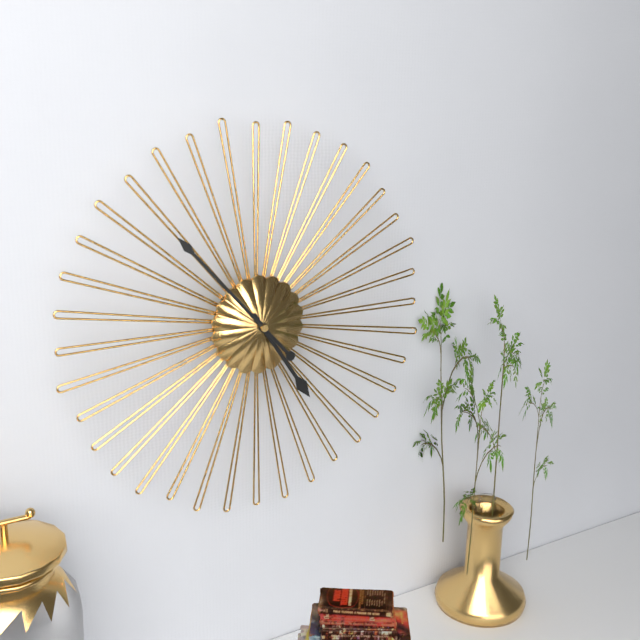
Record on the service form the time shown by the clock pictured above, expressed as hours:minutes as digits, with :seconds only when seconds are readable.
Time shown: 4:53
